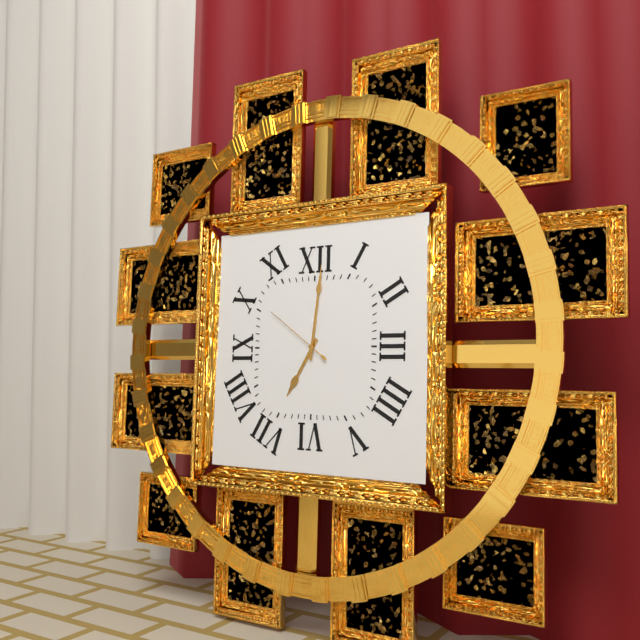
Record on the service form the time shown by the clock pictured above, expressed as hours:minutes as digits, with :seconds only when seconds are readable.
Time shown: 7:01:51
